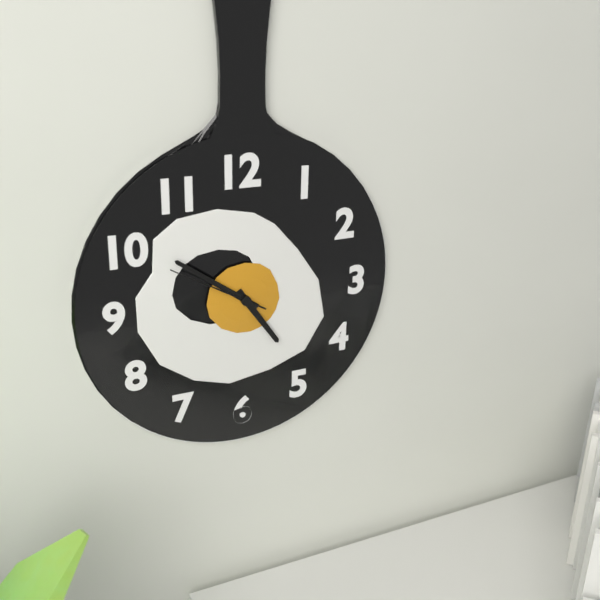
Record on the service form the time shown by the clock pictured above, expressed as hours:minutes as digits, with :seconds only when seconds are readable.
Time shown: 4:51:50
